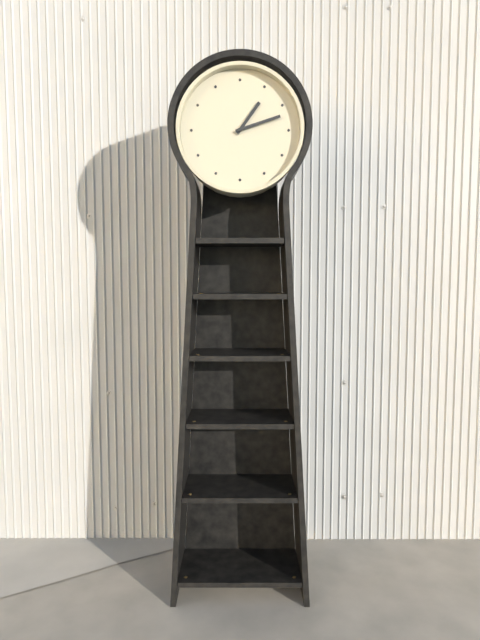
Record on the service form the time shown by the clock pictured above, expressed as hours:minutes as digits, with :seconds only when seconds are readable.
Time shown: 1:12
